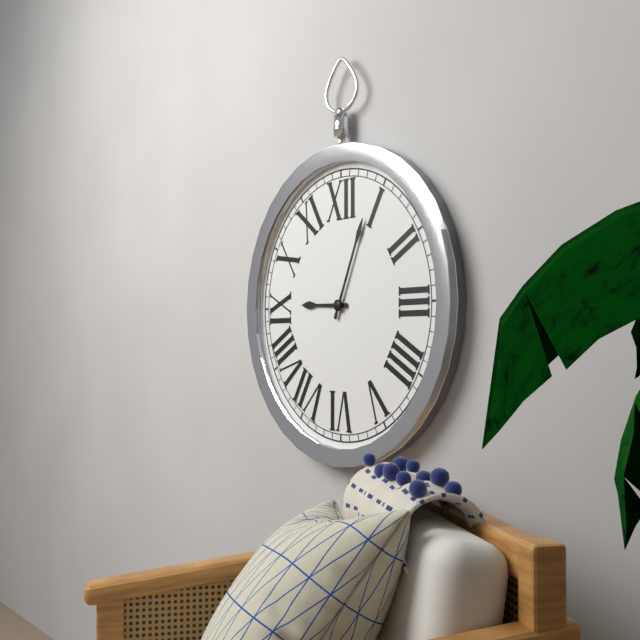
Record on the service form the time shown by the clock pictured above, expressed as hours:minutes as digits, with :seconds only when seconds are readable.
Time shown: 9:04
